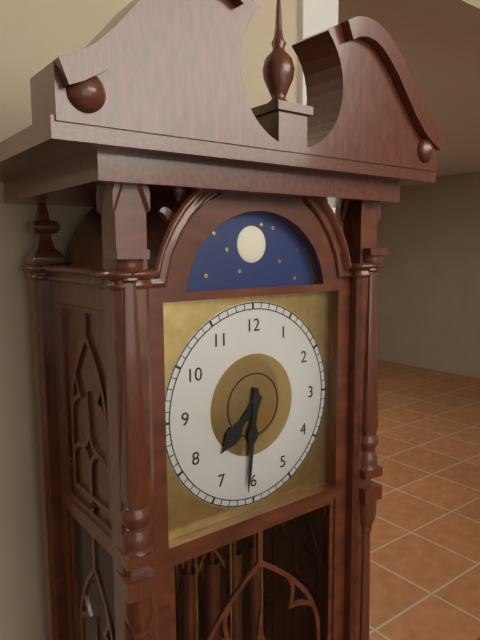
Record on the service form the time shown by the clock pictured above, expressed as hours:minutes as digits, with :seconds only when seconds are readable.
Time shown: 7:31
